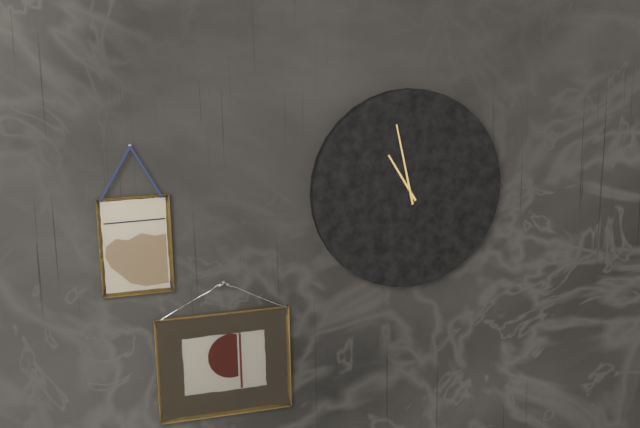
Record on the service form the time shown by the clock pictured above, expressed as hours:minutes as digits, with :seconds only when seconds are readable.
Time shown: 10:58
